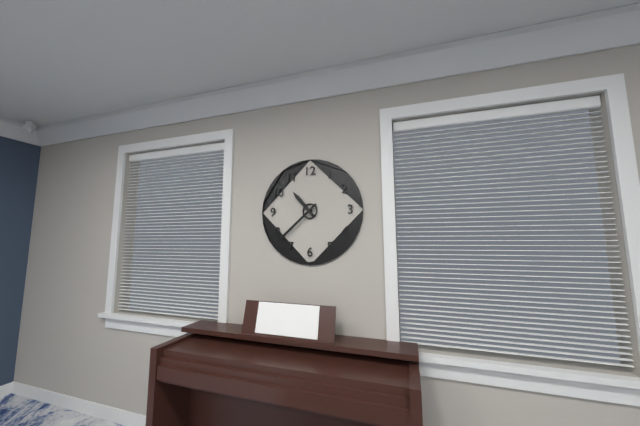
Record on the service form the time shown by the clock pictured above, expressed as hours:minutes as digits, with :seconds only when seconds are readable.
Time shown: 10:38
